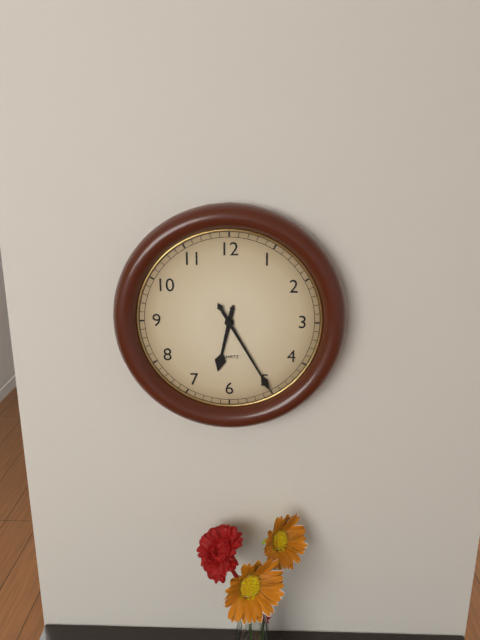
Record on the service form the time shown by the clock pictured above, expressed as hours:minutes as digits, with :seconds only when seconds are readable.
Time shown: 6:25
